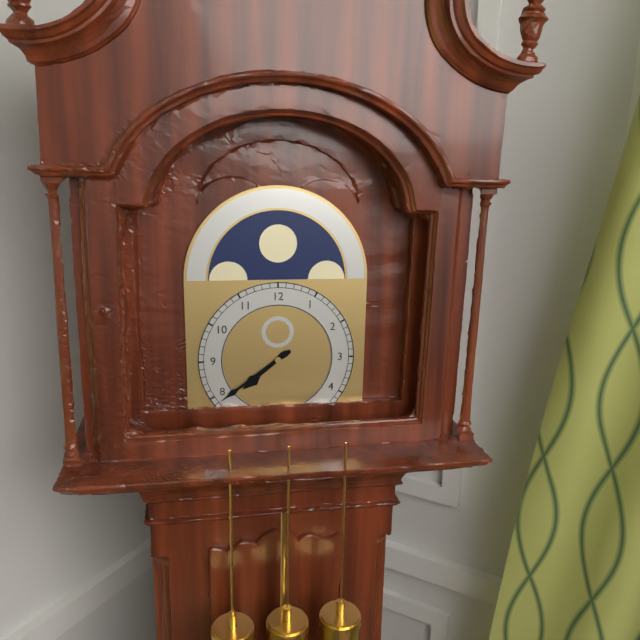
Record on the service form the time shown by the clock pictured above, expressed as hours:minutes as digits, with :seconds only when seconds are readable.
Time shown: 7:39
